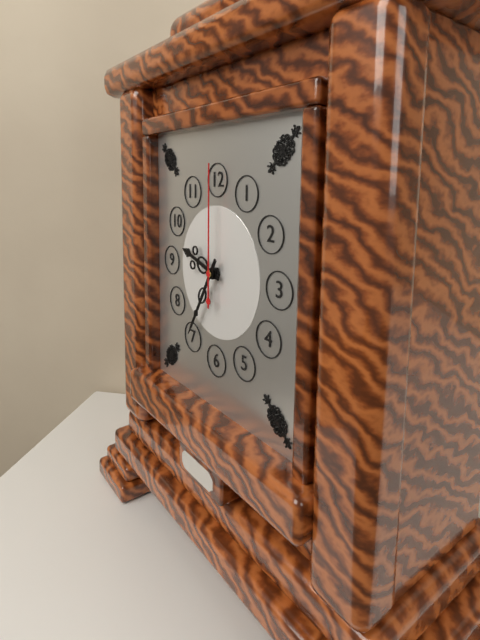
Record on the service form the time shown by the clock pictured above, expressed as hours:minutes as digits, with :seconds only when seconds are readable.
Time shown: 9:35:00
